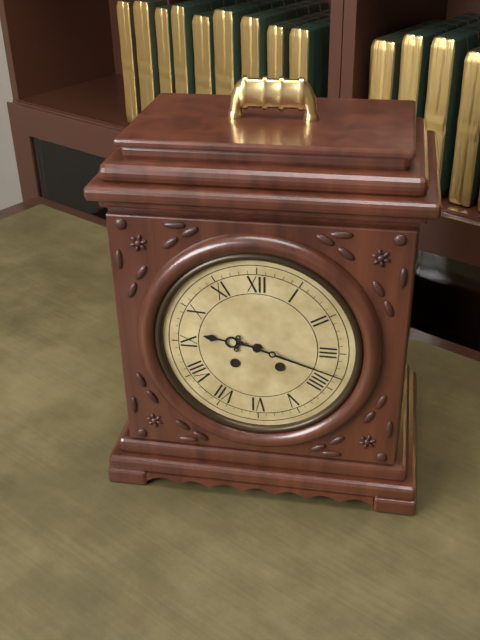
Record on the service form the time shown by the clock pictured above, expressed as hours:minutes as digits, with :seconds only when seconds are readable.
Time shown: 9:18
